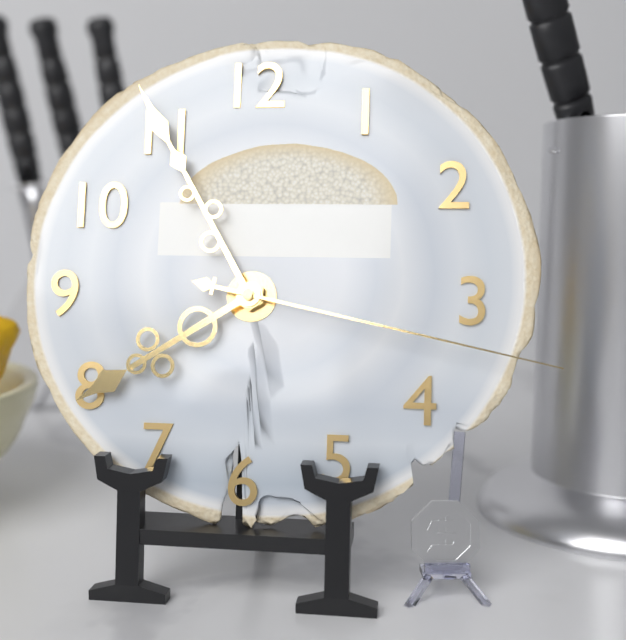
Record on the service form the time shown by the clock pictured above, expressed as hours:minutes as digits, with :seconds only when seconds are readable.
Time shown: 7:55:17
